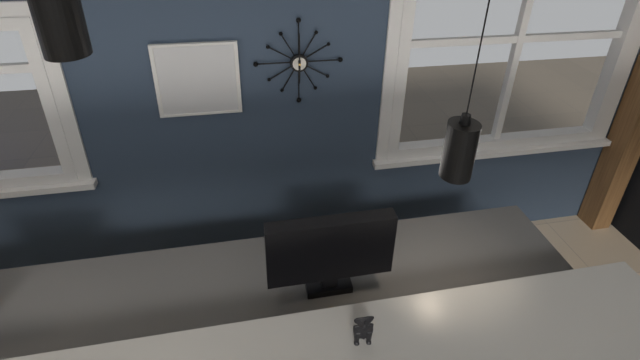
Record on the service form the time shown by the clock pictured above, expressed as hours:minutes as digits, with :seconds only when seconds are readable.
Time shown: 6:00
